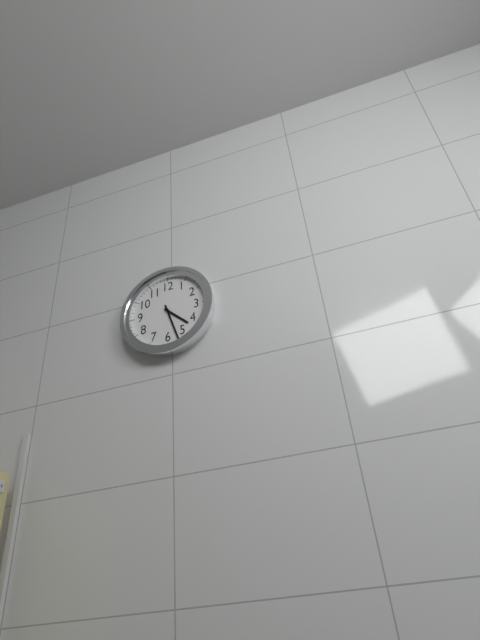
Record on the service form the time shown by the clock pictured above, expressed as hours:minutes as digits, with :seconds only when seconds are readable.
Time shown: 4:27
